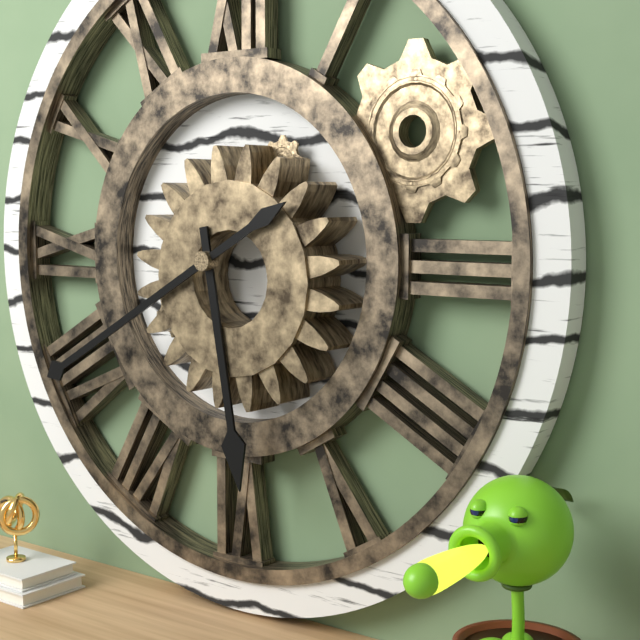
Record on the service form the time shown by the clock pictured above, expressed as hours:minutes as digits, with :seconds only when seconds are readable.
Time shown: 5:40
